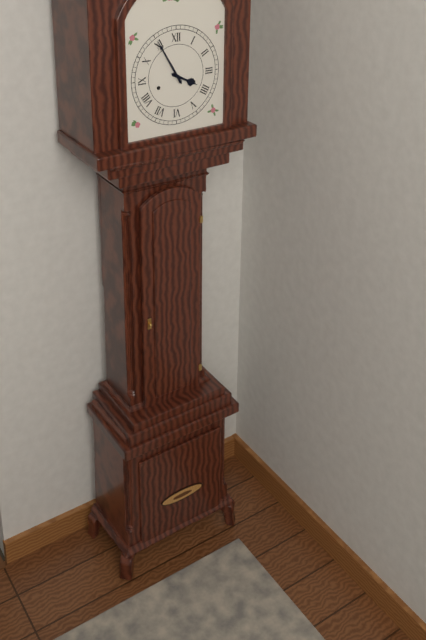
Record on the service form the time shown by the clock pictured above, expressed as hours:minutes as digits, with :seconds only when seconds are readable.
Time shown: 3:55
